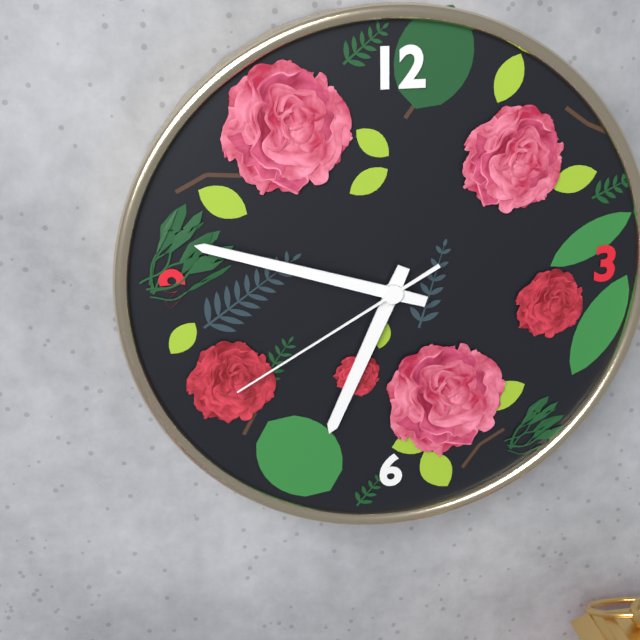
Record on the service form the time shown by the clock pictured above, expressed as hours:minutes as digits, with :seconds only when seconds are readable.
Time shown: 6:48:40
